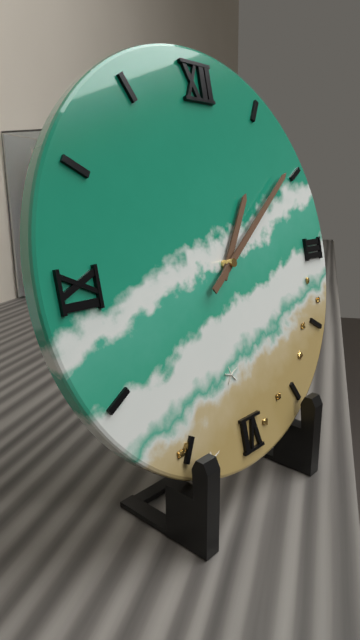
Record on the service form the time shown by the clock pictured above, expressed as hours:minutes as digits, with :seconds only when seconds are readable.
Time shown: 1:09
